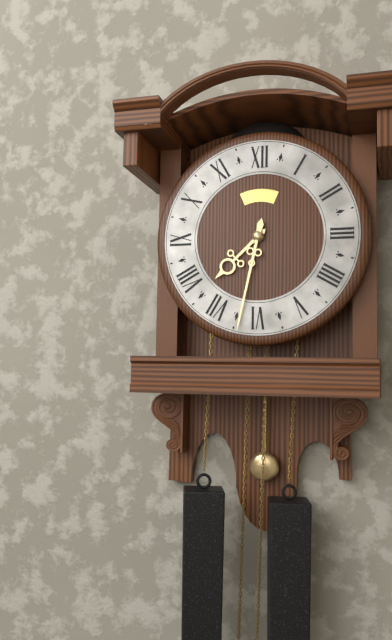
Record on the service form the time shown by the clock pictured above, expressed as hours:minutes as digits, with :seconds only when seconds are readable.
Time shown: 7:32
